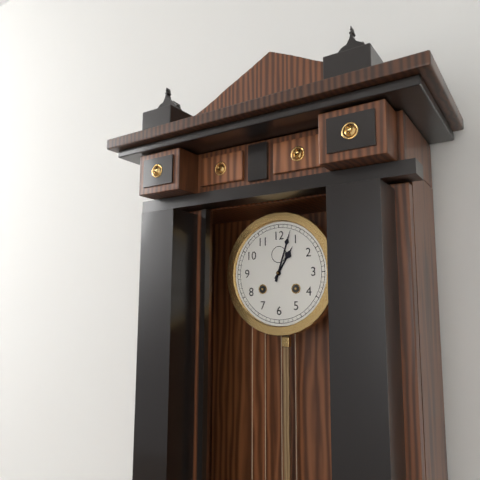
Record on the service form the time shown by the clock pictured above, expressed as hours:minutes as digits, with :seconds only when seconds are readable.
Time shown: 1:03
